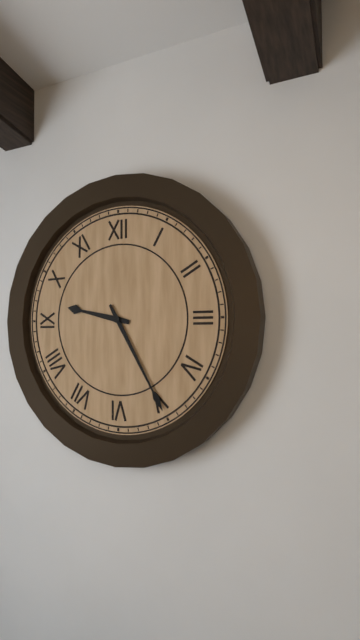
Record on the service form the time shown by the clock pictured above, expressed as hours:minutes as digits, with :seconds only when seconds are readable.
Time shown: 9:25
